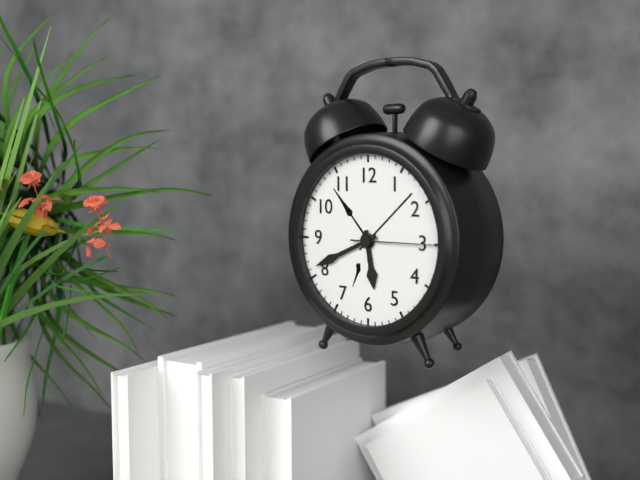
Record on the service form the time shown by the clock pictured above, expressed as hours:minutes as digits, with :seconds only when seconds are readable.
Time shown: 5:41:15
